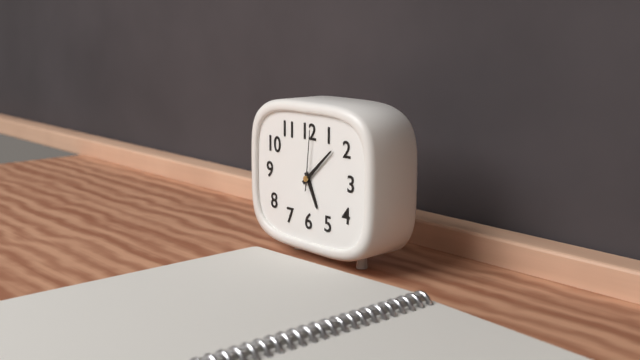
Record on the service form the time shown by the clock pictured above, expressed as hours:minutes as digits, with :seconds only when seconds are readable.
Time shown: 5:08:01
